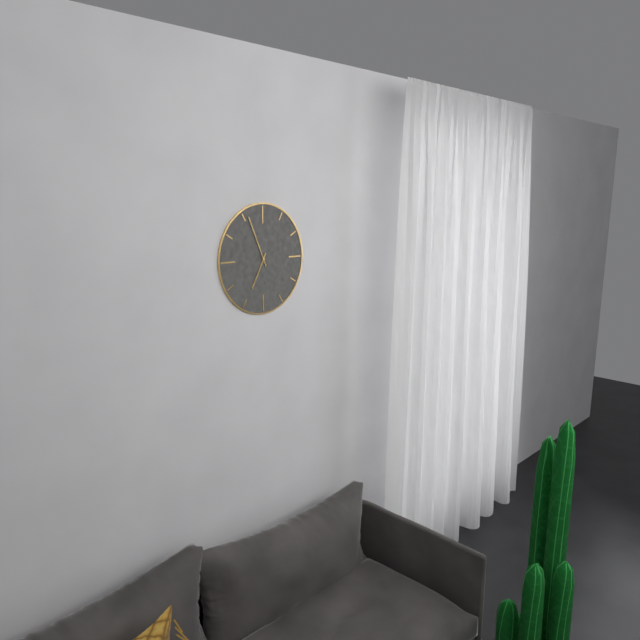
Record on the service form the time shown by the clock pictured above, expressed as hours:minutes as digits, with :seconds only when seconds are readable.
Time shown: 6:56
